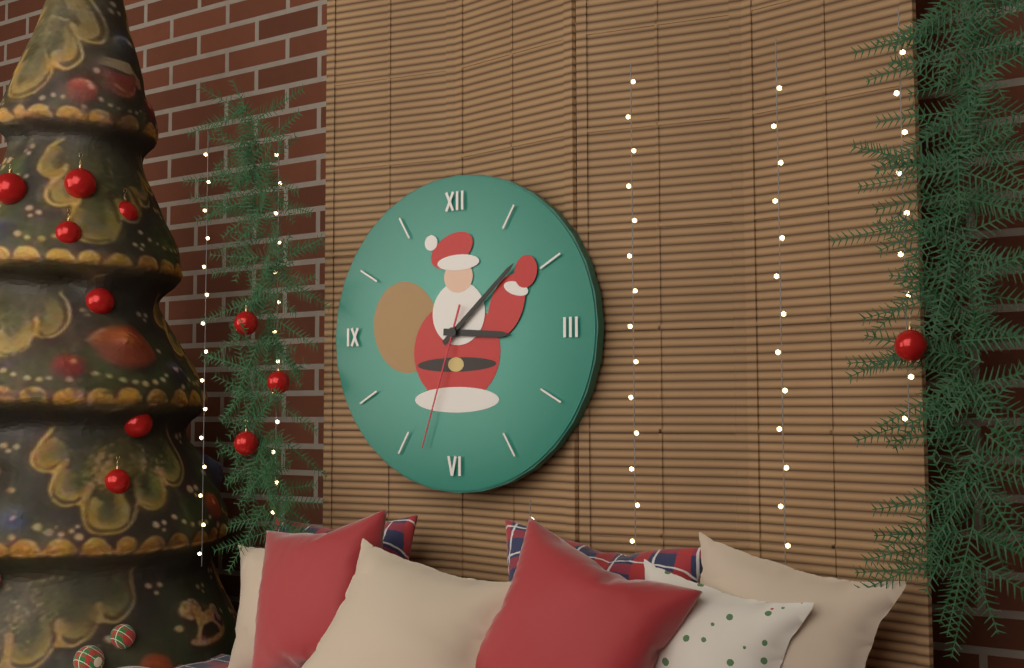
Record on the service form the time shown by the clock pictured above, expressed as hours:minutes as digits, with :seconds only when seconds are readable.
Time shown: 3:08:33
